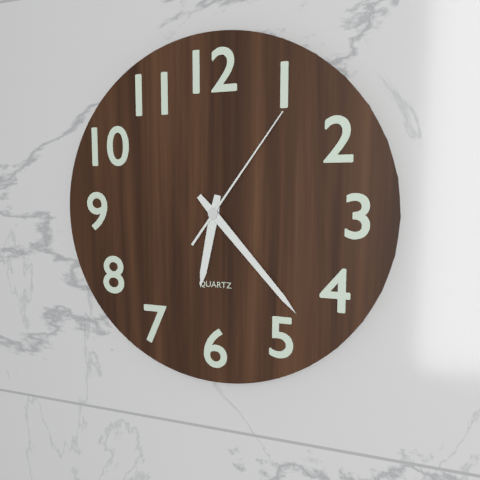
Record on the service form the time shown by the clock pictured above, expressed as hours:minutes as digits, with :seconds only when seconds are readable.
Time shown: 6:23:06
